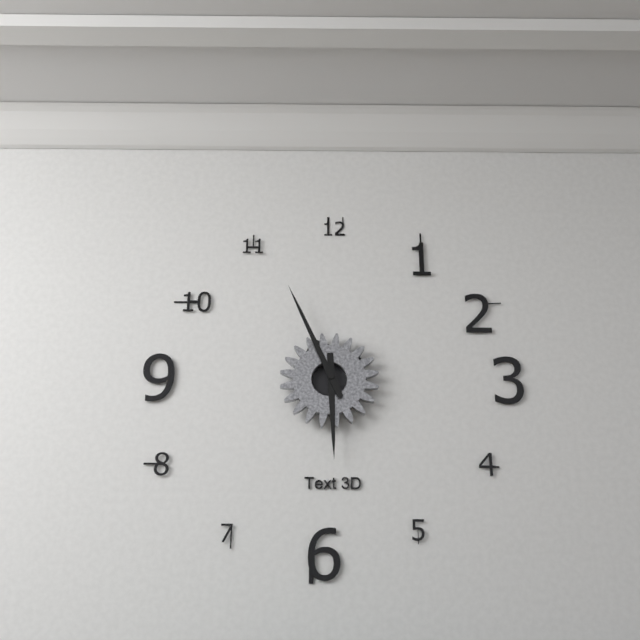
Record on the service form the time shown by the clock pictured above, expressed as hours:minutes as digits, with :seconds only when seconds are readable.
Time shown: 5:56
